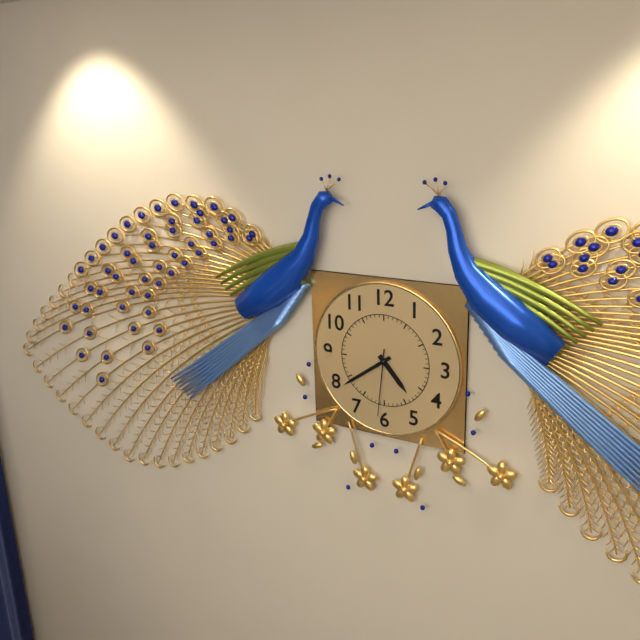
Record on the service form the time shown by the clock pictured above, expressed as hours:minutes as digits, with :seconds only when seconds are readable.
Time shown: 4:39:31
